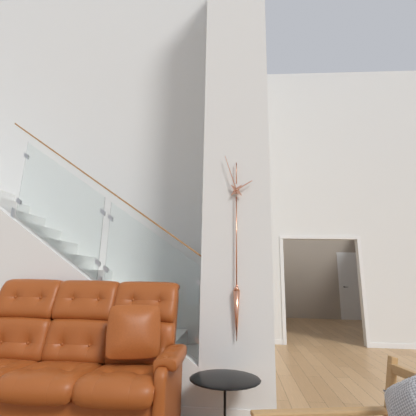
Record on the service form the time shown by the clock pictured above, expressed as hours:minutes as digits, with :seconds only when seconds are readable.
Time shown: 1:57
